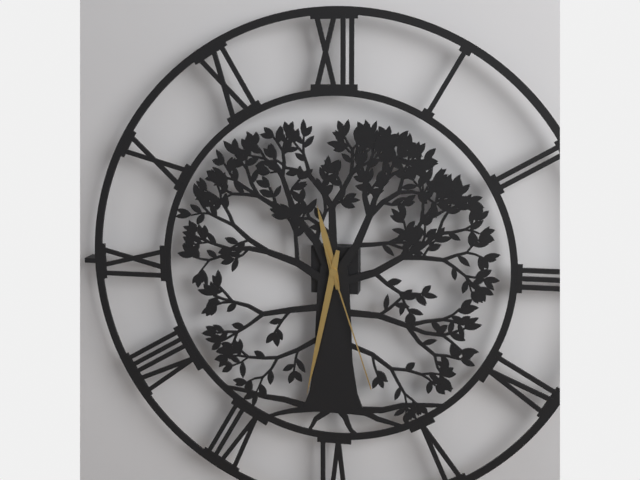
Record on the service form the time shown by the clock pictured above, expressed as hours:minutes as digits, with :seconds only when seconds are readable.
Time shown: 11:32:27
